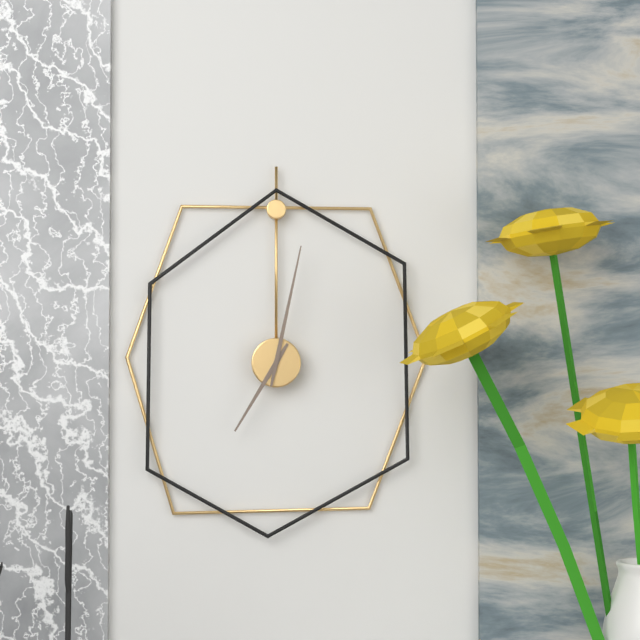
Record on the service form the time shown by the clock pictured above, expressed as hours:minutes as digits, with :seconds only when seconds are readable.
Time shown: 7:02
